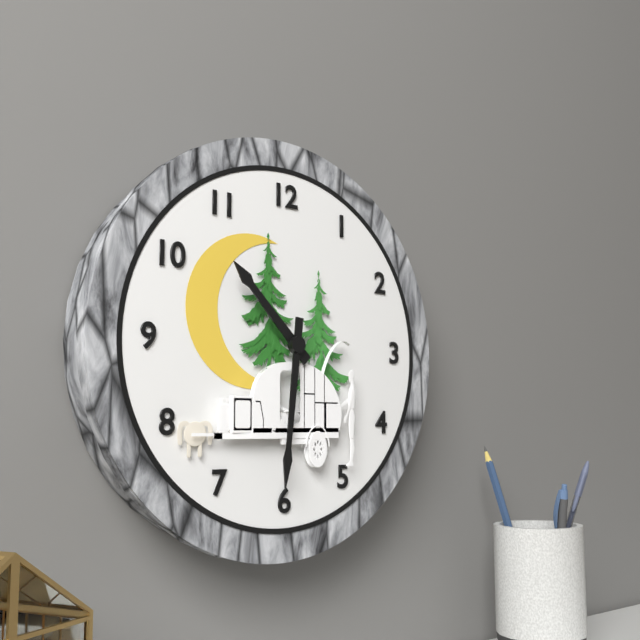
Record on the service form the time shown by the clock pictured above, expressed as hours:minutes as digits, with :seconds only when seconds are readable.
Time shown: 10:31
